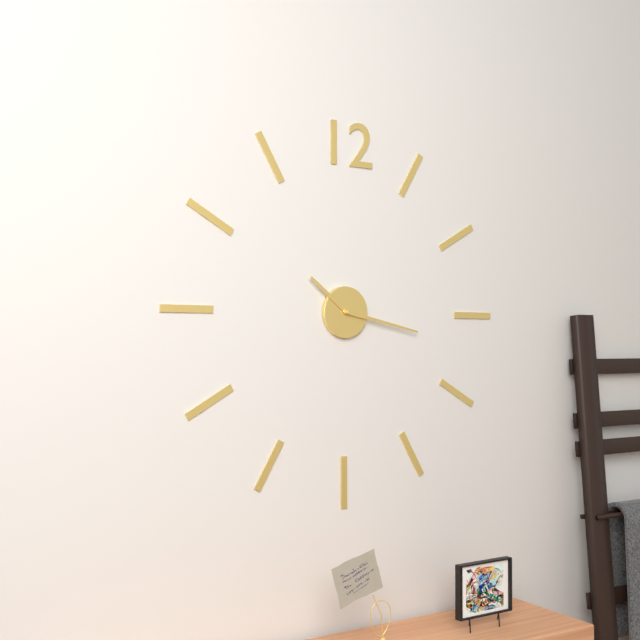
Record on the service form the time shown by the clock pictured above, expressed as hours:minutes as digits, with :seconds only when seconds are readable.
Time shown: 10:17
